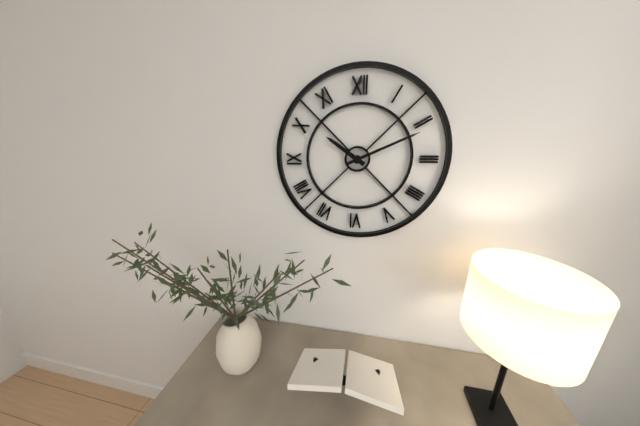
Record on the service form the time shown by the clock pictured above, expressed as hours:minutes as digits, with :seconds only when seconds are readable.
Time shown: 10:11
